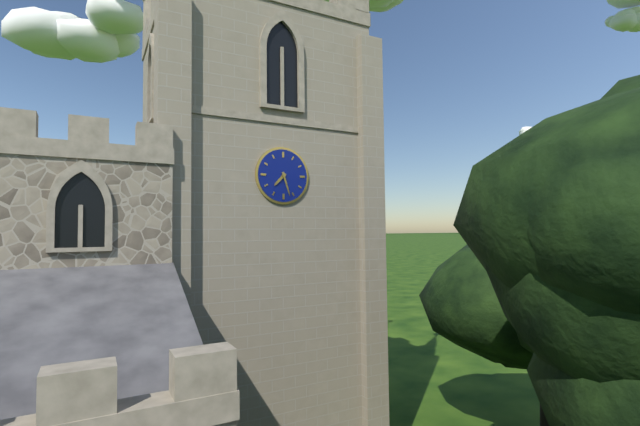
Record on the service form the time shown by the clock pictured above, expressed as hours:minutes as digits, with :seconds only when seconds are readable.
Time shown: 7:27
